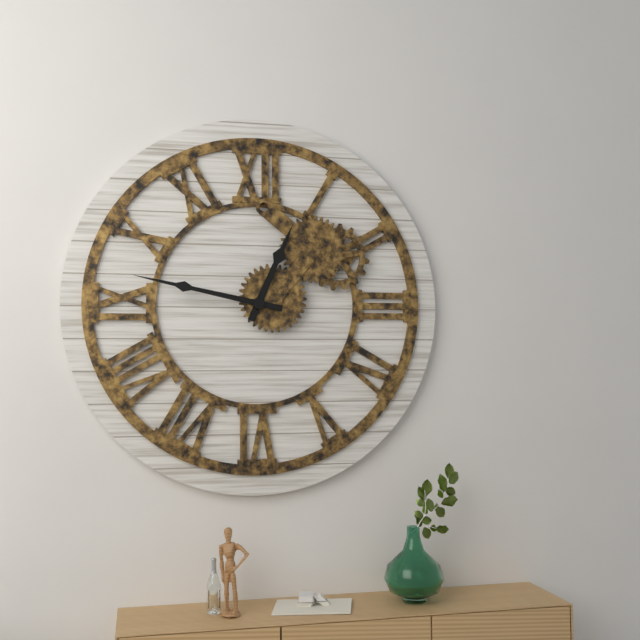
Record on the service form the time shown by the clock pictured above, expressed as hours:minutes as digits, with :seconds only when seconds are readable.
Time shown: 12:47
